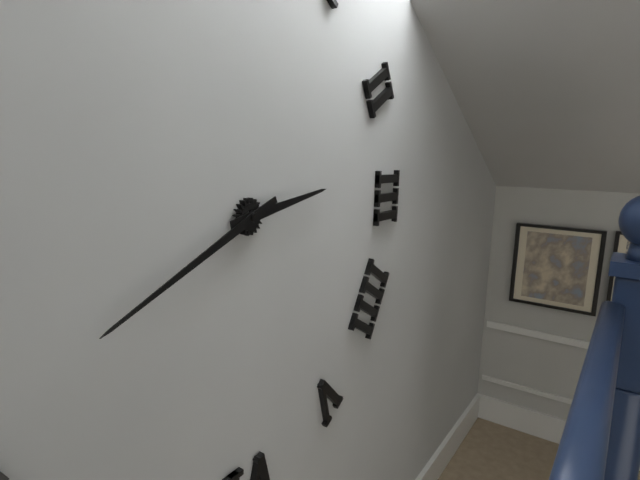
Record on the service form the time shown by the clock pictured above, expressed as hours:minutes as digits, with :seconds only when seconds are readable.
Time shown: 2:41
